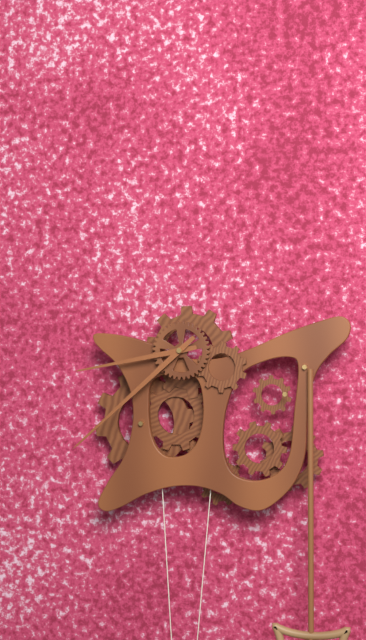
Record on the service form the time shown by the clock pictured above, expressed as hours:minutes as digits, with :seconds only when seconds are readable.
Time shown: 8:38
